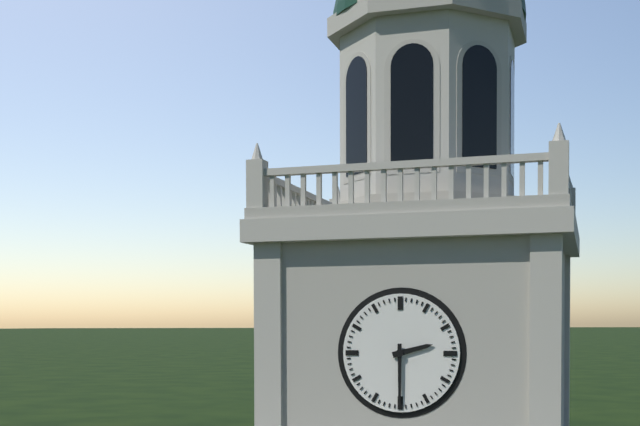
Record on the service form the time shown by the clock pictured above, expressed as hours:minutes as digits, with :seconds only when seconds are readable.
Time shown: 2:30
